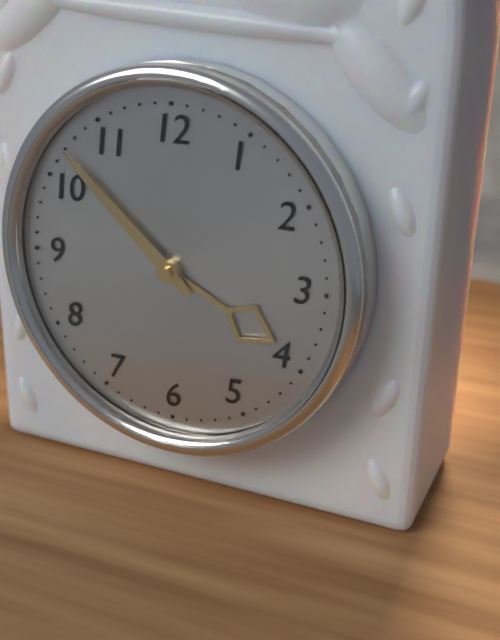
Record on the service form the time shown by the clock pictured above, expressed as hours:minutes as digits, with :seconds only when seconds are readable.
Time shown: 3:52
